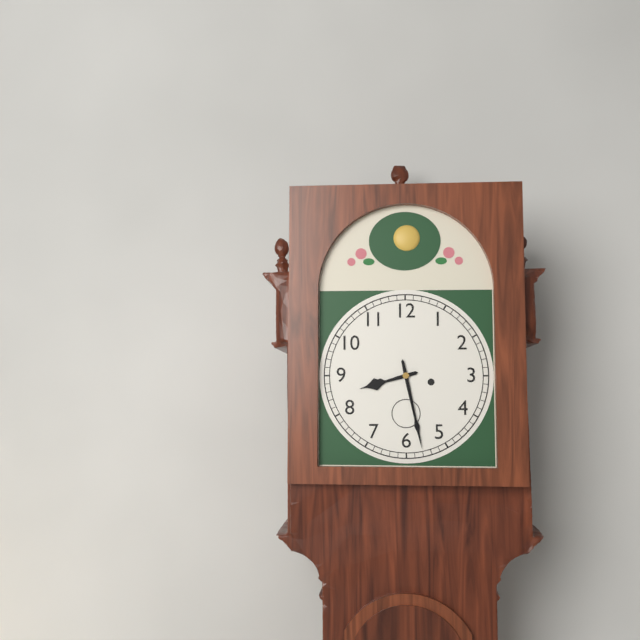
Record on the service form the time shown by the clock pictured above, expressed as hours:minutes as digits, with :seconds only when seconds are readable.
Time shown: 8:28
